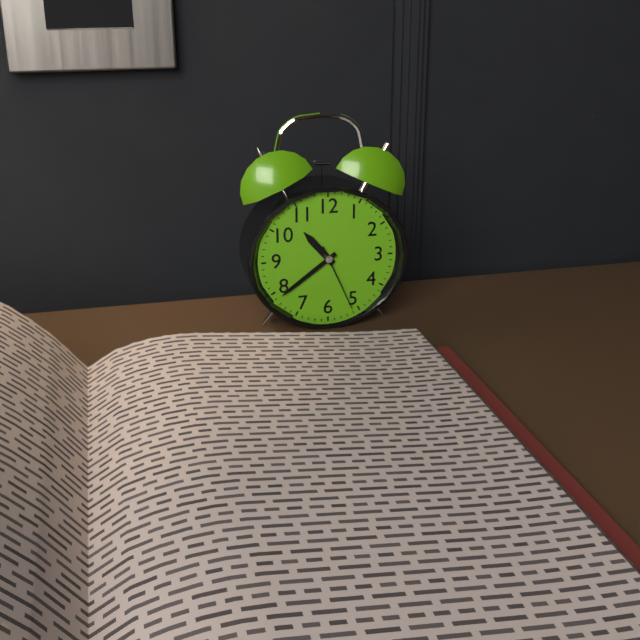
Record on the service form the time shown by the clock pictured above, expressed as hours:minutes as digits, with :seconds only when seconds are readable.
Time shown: 10:39:26
